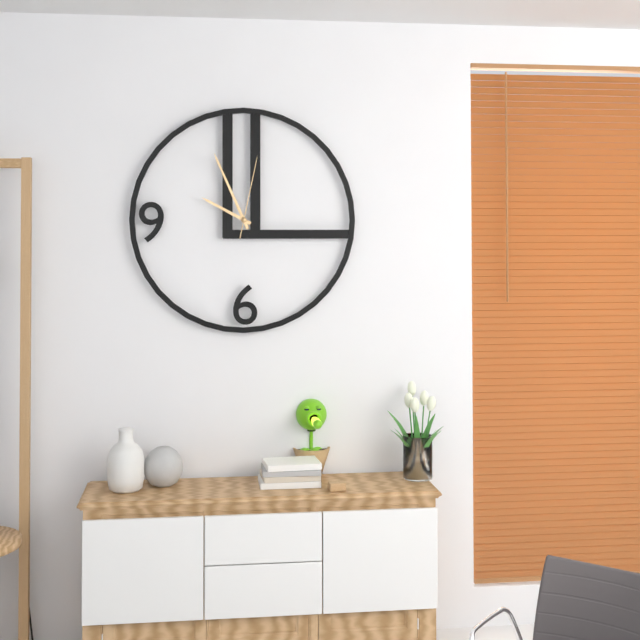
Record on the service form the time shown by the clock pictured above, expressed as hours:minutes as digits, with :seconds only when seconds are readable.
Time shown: 9:56:02
